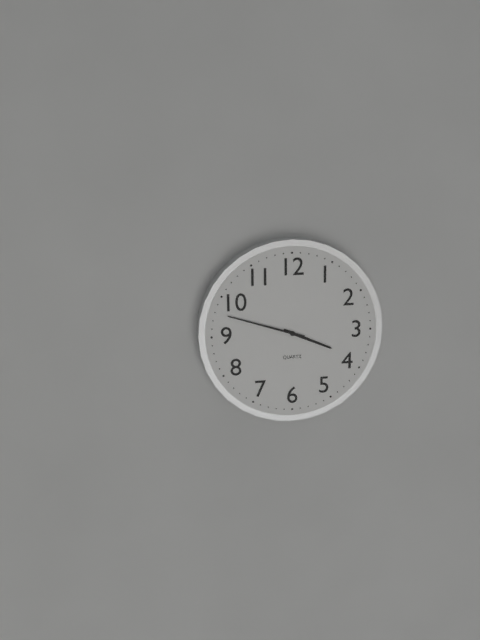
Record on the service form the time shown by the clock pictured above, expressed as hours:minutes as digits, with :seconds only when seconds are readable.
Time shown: 3:48
